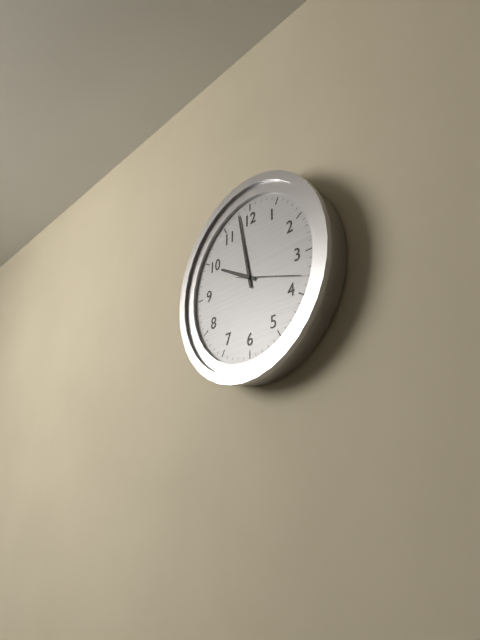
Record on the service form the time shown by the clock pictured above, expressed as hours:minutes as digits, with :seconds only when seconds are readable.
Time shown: 9:58:18
